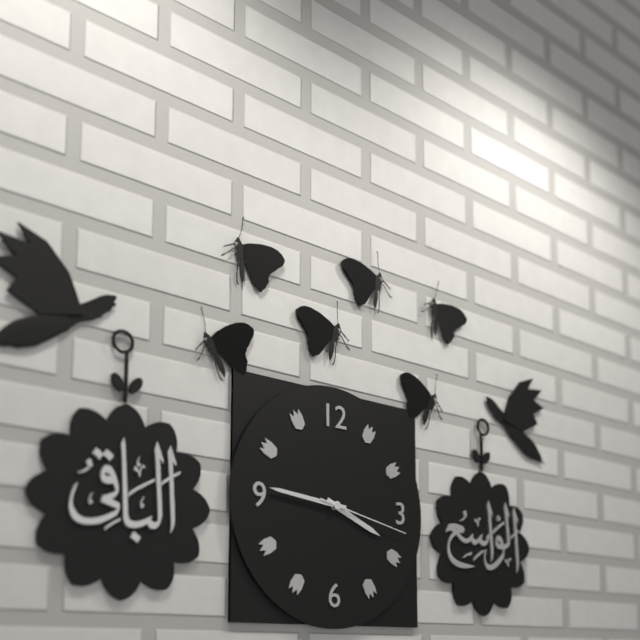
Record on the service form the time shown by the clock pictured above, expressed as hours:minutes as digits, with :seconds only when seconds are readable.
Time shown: 3:46:17
